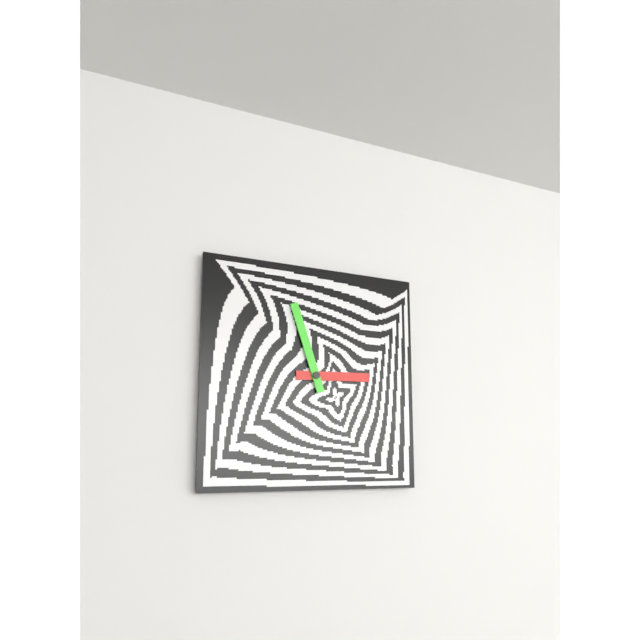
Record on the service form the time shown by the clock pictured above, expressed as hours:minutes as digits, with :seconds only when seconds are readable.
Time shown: 2:57
